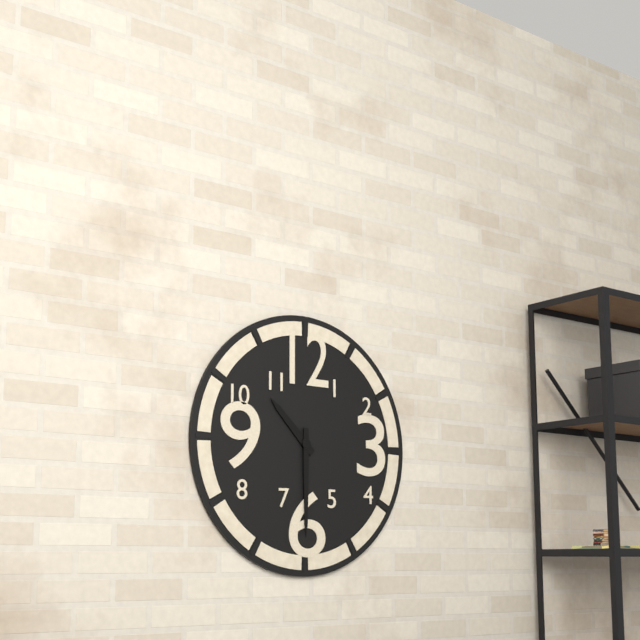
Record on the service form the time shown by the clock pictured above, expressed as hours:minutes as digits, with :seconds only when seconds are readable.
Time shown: 10:30
